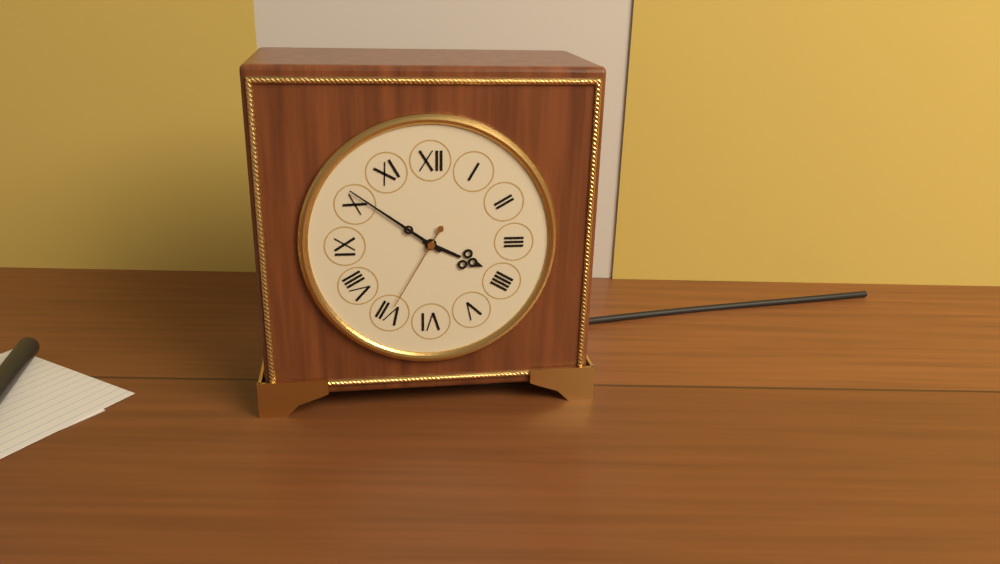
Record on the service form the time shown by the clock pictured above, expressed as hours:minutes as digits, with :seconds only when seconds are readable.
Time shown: 3:51:35
